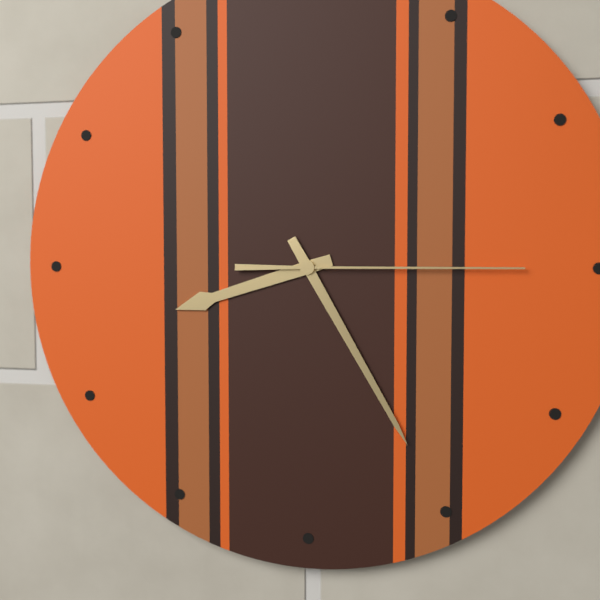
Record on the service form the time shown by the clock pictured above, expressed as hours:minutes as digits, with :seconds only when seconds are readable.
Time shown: 8:25:15
